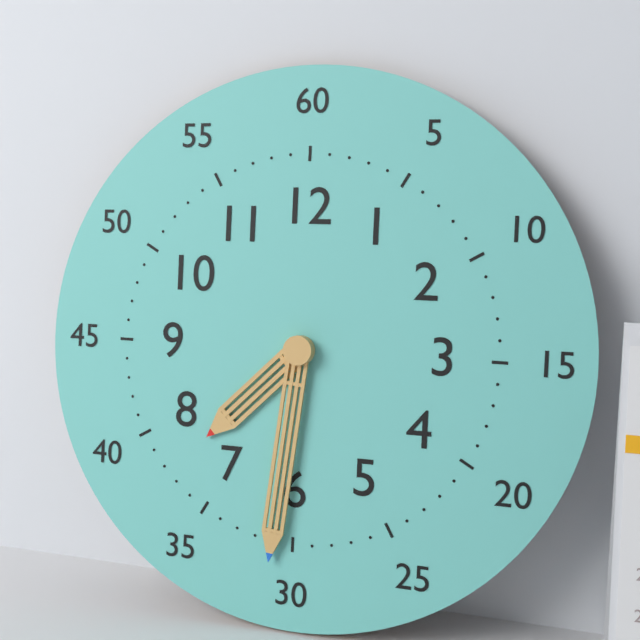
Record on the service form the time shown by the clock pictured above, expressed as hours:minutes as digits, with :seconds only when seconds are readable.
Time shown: 7:31
